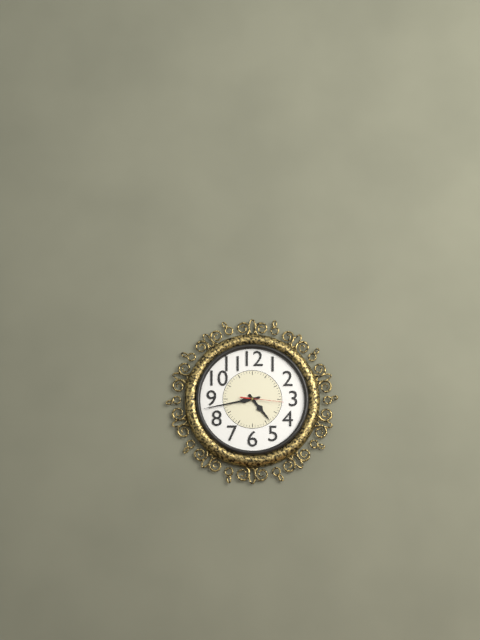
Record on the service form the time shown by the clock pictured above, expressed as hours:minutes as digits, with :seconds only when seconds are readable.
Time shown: 4:43
